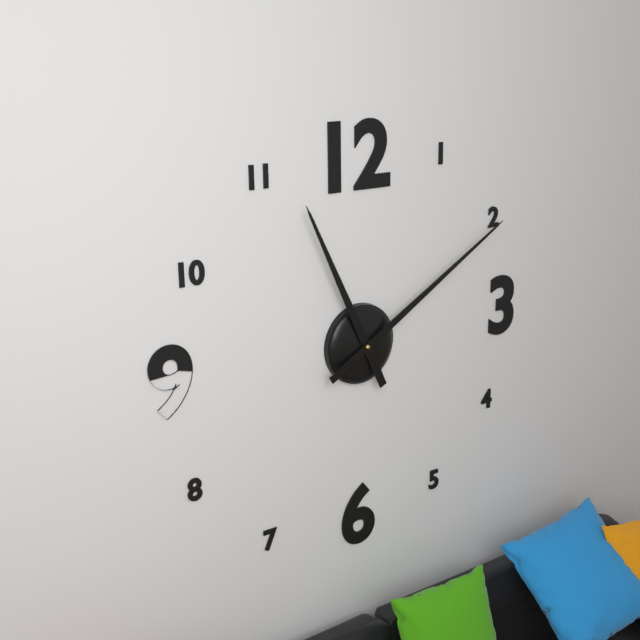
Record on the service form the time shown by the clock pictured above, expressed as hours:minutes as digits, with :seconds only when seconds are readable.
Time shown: 11:10
